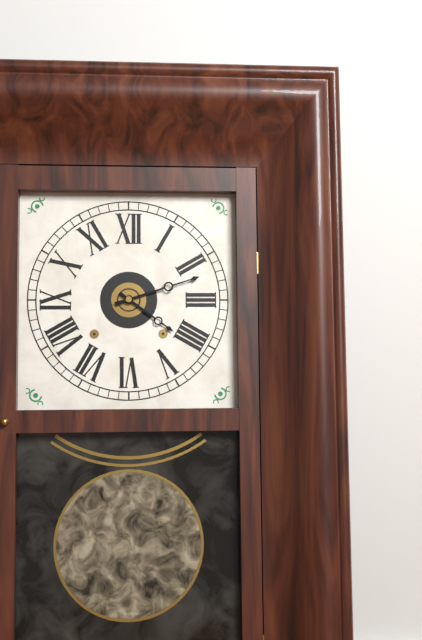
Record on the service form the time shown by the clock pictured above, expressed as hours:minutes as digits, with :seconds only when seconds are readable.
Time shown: 4:12
